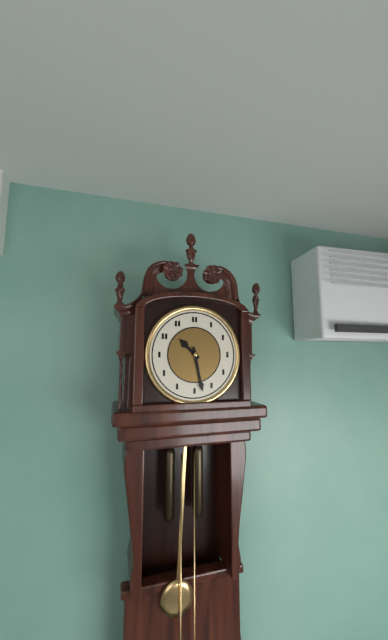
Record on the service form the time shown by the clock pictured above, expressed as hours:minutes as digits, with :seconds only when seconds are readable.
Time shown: 10:28
